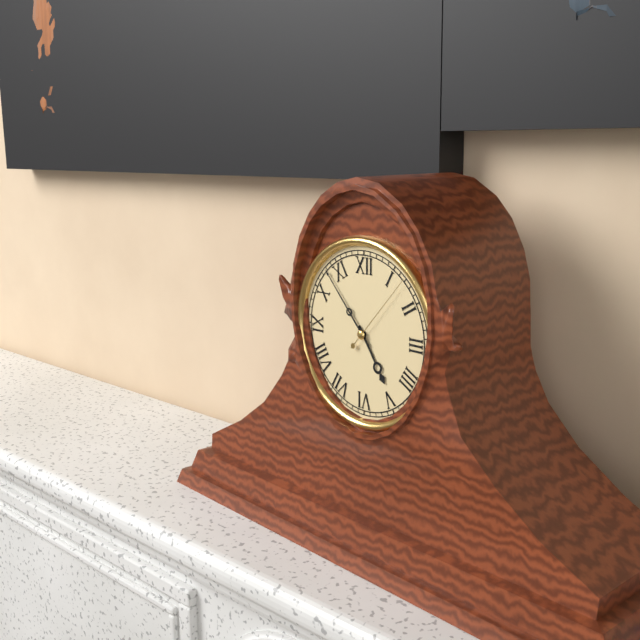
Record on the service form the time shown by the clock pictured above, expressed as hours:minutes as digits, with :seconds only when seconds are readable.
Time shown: 4:53:07
